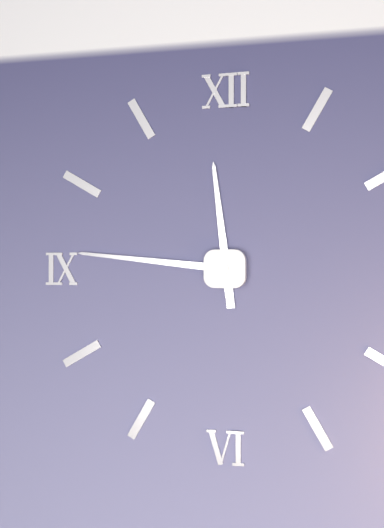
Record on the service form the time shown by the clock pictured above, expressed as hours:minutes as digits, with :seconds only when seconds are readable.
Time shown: 11:46
